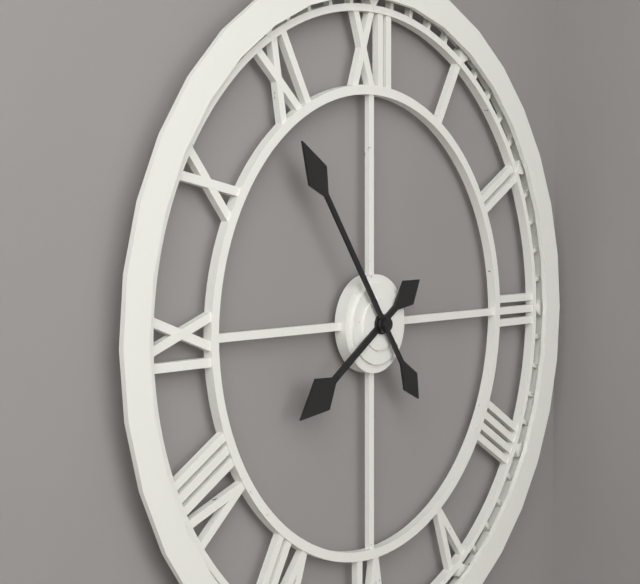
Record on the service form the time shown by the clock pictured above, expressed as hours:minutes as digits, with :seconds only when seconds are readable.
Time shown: 7:54
